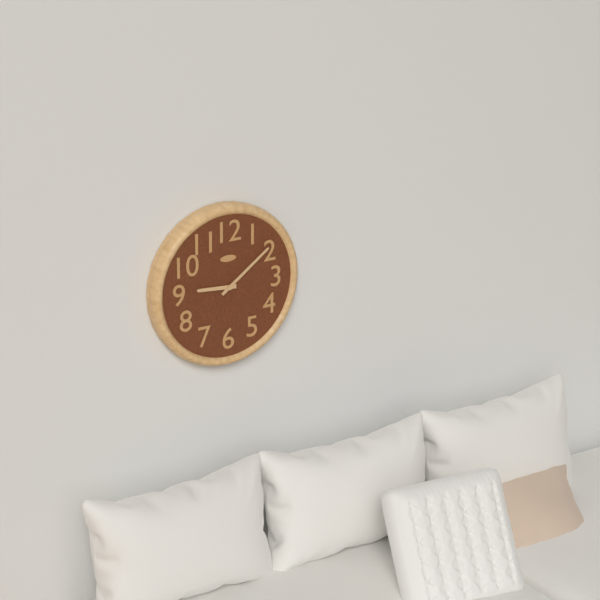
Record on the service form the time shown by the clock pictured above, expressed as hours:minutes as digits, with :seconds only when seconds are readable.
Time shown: 9:09
